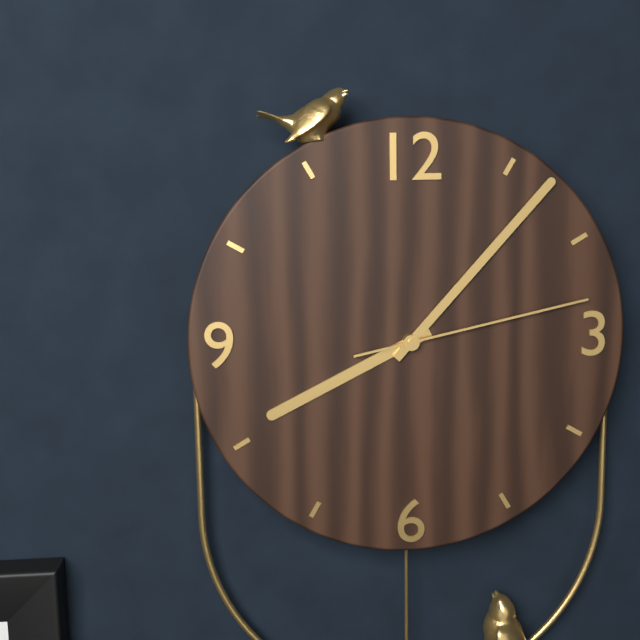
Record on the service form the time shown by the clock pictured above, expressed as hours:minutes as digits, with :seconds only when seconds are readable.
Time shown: 8:07:13
